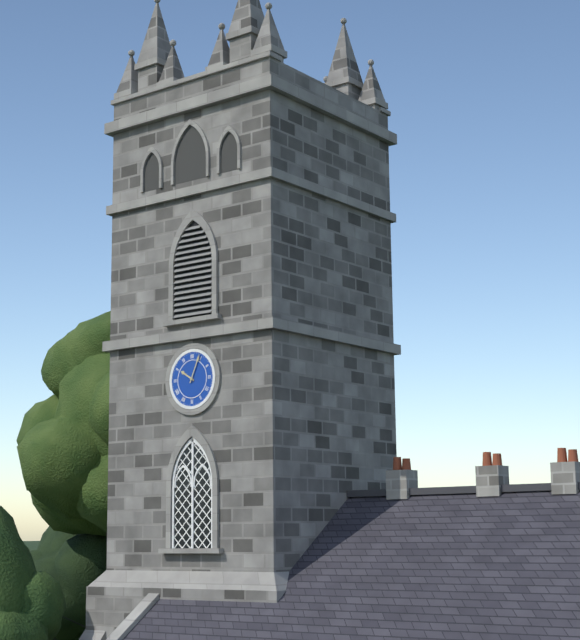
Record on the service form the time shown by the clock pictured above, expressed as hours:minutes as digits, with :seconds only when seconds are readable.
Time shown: 10:04
